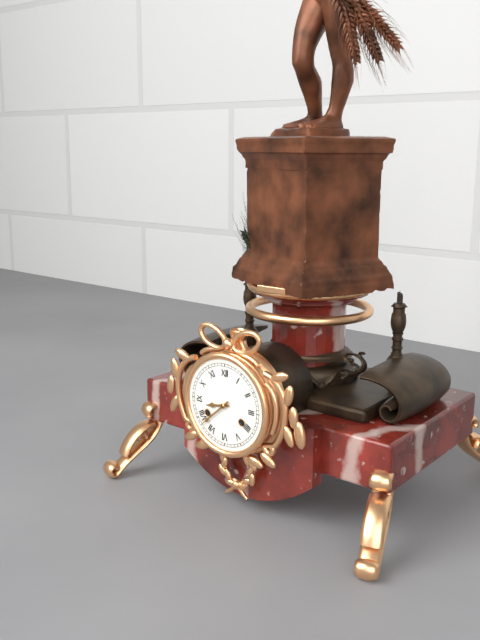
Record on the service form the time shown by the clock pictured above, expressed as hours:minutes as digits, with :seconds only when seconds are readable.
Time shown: 8:38
